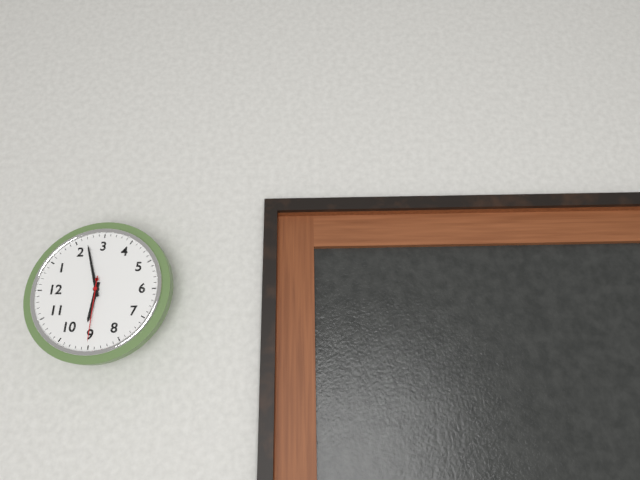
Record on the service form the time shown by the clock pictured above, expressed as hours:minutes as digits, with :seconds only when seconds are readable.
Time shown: 9:12:45
